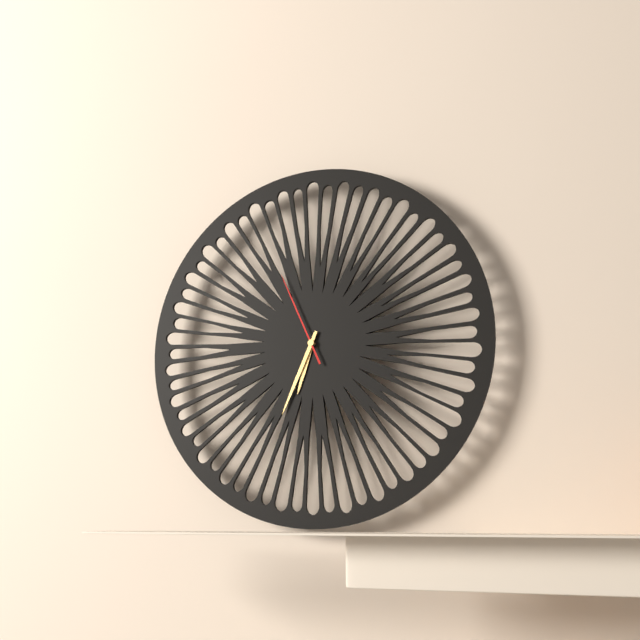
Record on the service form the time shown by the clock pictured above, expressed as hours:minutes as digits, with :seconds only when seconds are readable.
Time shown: 6:34:56
